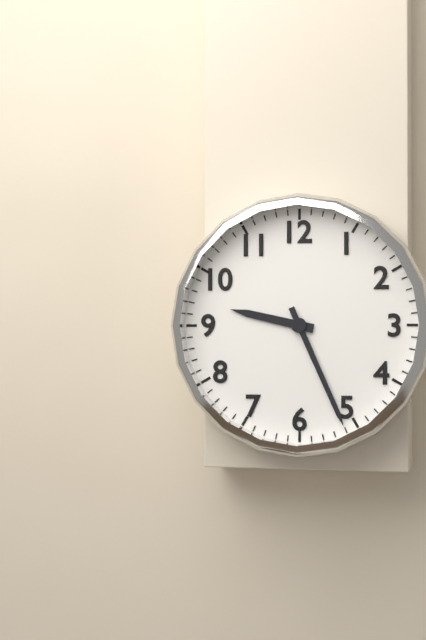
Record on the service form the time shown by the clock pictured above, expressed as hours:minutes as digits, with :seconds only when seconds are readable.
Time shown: 9:26
